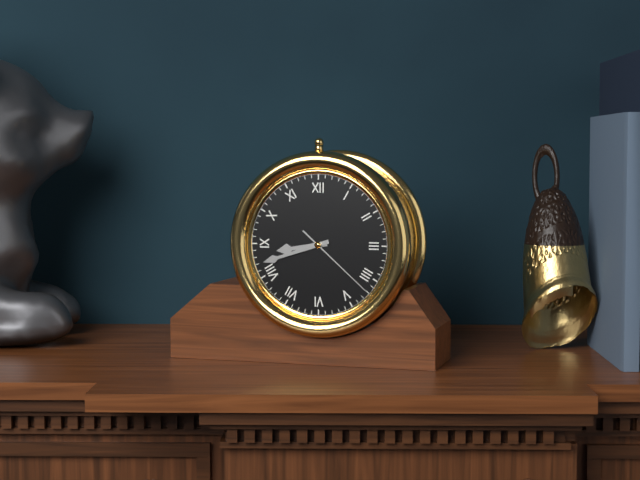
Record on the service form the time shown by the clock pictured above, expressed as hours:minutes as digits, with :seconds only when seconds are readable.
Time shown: 8:42:22
